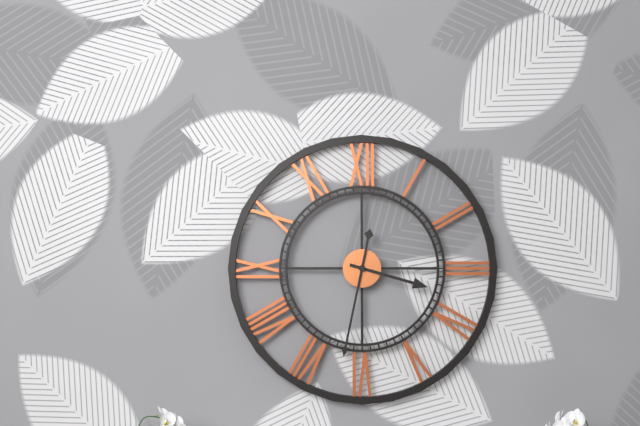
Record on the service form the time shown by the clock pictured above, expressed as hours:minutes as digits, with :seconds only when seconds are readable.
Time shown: 3:32
